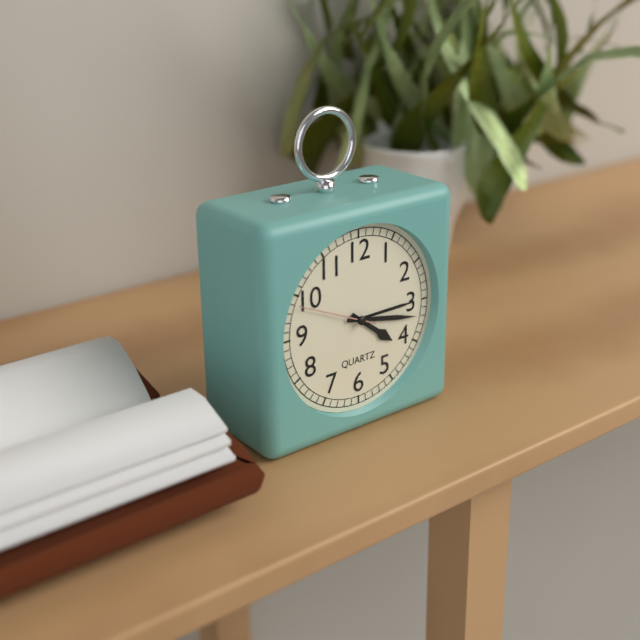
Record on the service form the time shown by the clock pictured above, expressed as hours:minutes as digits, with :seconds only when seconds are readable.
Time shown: 4:17:49
